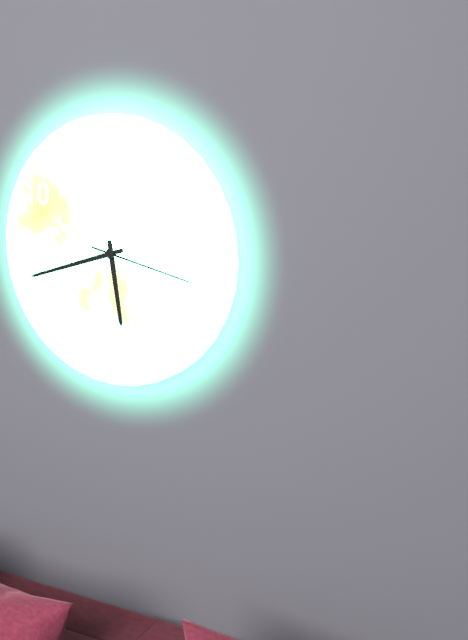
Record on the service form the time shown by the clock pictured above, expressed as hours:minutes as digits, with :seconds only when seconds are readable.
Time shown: 5:42:17
